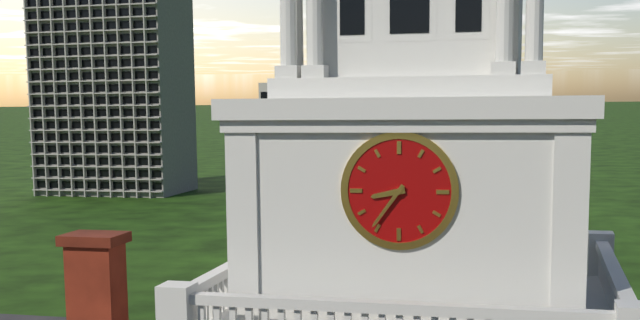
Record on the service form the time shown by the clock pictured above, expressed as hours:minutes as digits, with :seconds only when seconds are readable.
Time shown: 8:36
